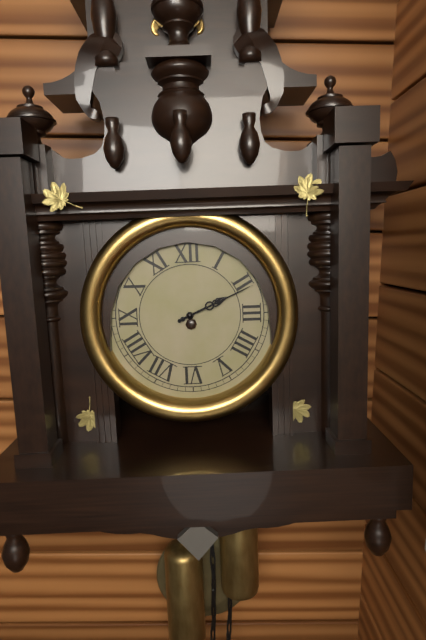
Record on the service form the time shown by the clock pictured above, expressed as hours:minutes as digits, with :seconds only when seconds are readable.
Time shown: 2:11
